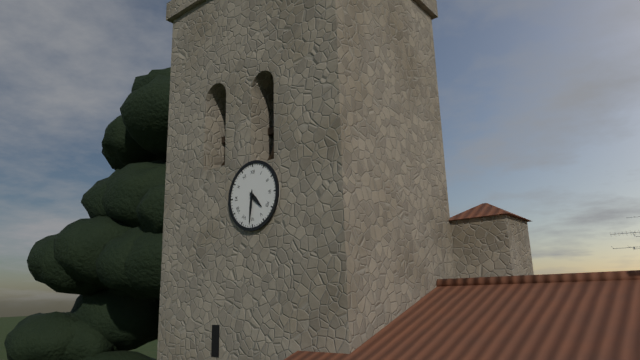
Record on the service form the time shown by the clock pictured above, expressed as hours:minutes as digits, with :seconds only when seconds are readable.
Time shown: 4:31
